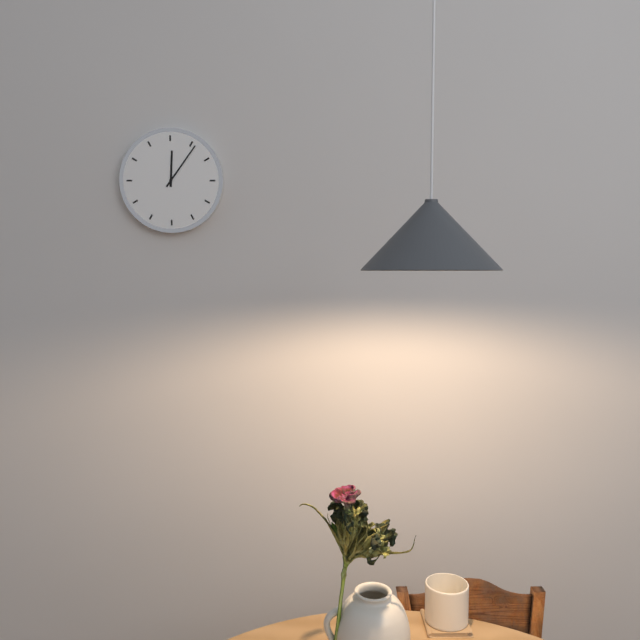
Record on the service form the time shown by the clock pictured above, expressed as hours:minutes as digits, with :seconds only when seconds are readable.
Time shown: 12:06
